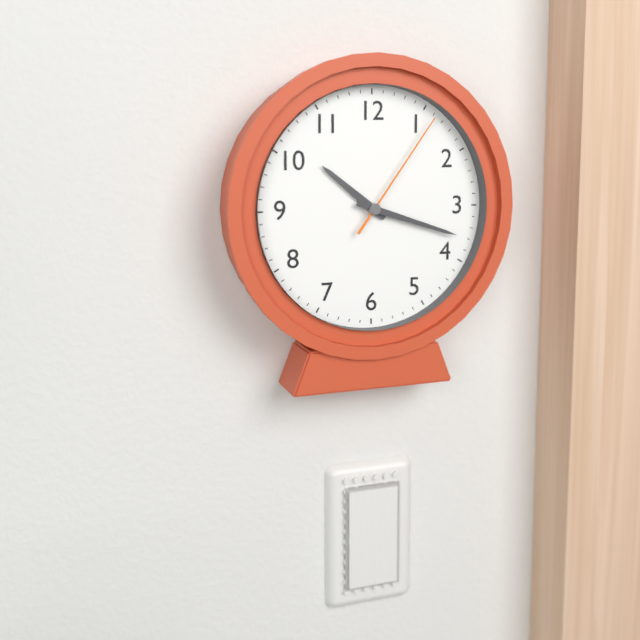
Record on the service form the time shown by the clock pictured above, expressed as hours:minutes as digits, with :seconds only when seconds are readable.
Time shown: 10:18:06
